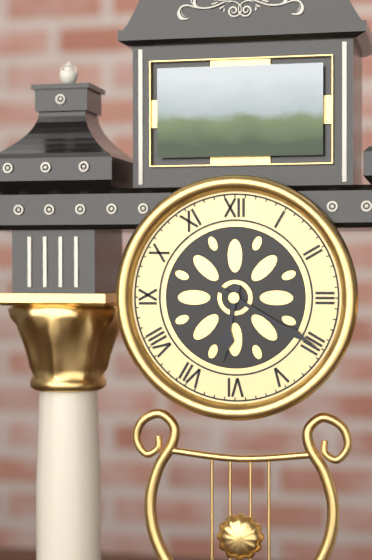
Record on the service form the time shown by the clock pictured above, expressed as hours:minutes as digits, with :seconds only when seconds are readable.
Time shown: 6:20
